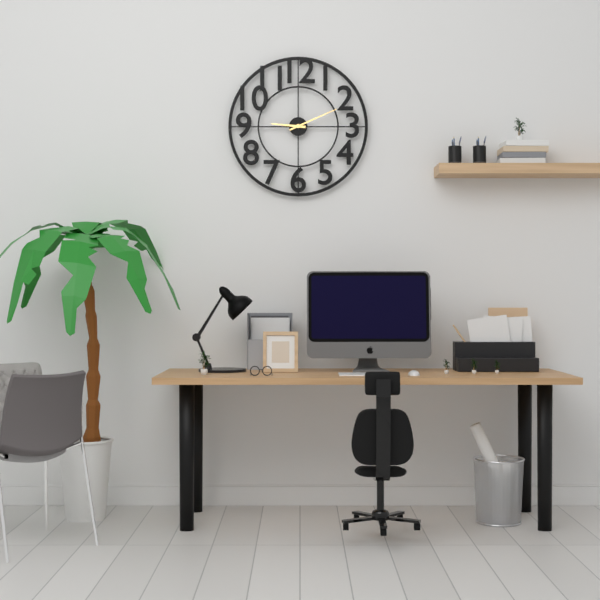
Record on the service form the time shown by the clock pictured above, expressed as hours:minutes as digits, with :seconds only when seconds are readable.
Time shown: 9:11
